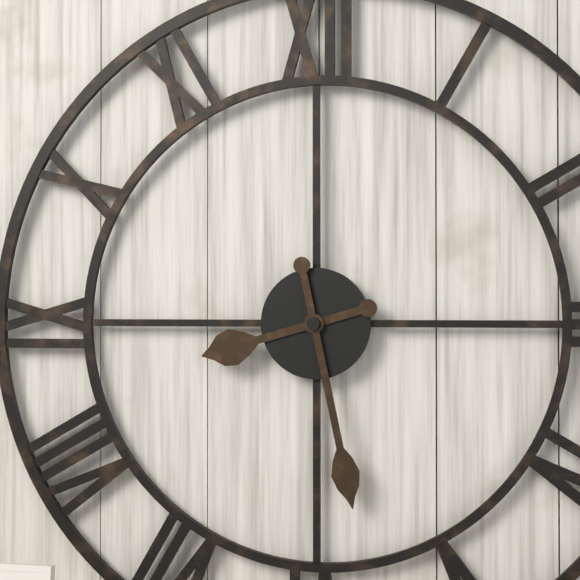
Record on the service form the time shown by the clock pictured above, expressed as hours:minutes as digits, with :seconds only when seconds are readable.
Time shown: 8:28
